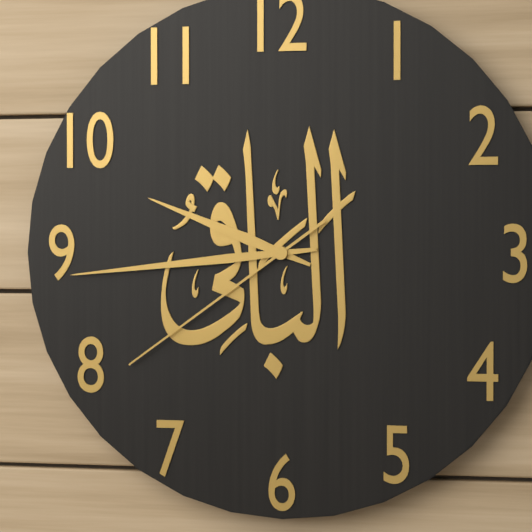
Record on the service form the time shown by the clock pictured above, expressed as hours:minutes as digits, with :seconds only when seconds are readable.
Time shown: 9:44:39
